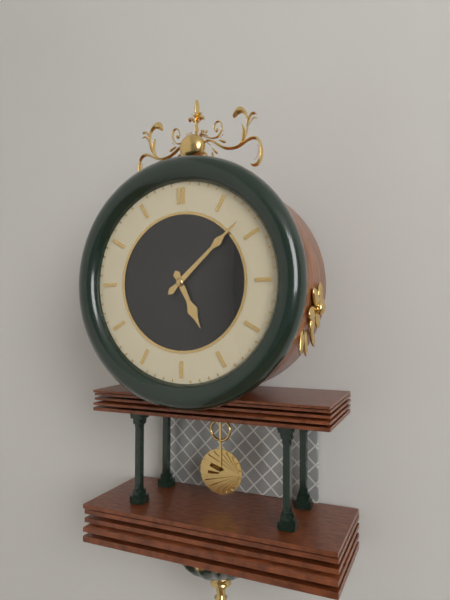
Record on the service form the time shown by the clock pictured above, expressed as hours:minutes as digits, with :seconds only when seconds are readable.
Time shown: 5:08
